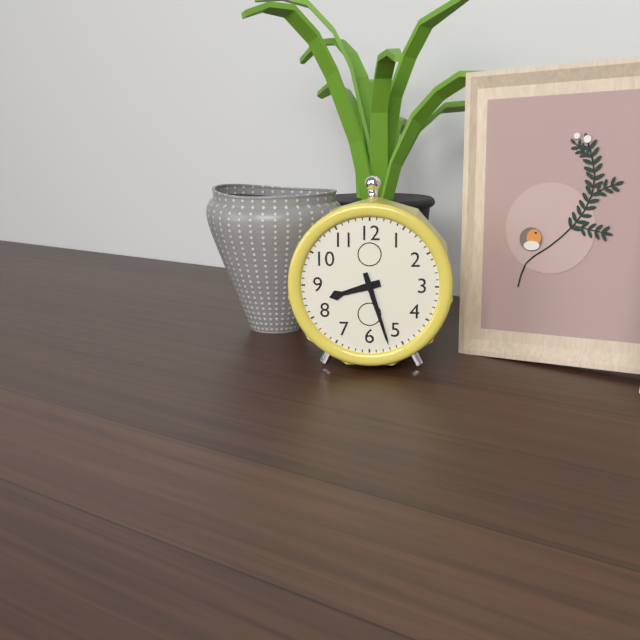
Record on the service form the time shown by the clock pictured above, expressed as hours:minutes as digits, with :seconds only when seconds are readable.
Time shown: 8:27
